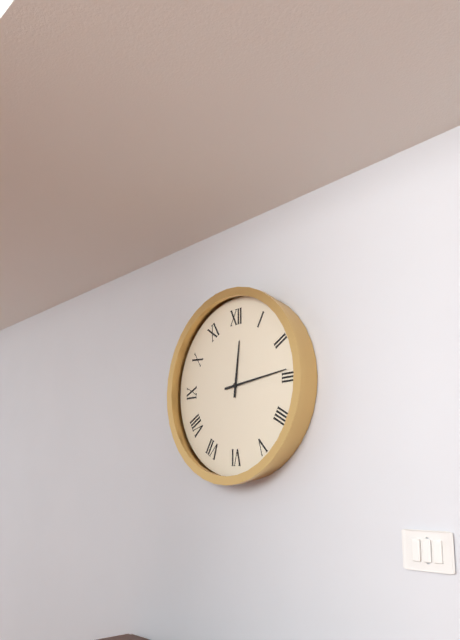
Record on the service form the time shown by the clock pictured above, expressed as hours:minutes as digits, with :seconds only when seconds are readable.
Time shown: 12:14
